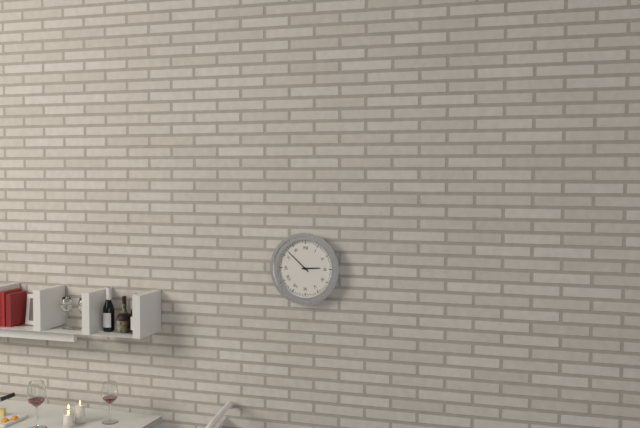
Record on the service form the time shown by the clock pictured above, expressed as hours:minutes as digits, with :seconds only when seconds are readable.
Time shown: 2:52
